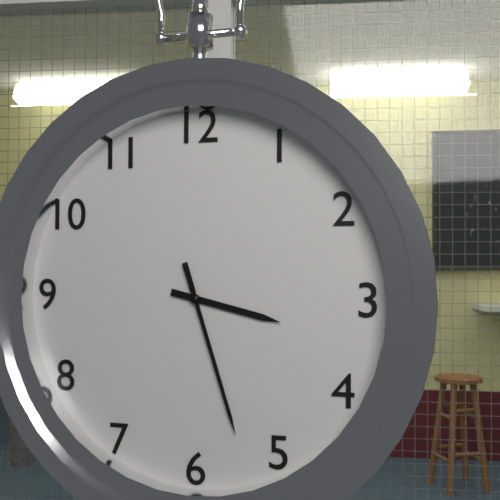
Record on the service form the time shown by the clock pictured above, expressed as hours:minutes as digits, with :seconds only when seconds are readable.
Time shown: 3:27
